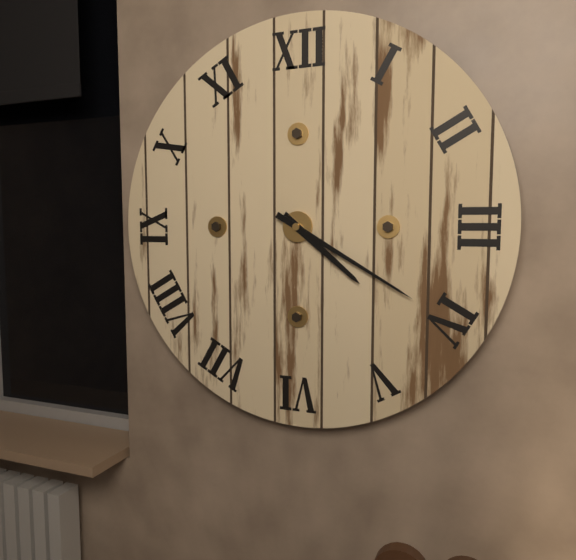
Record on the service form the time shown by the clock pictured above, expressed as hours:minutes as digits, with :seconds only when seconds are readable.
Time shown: 4:20
